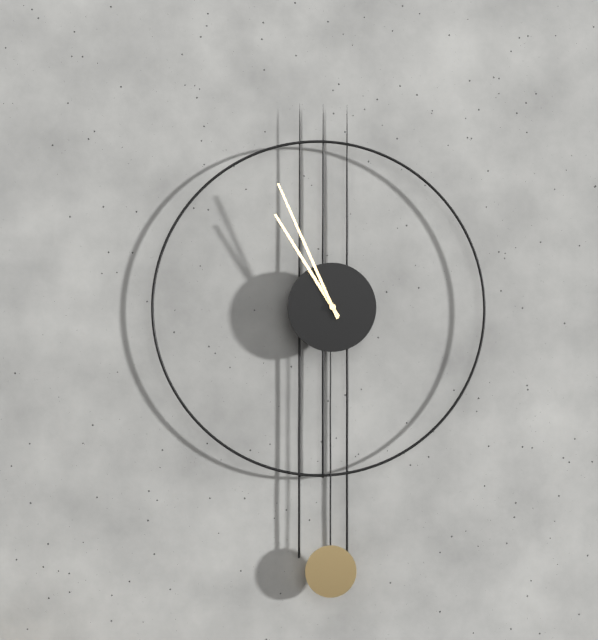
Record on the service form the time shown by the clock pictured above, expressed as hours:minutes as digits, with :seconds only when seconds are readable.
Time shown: 10:56
